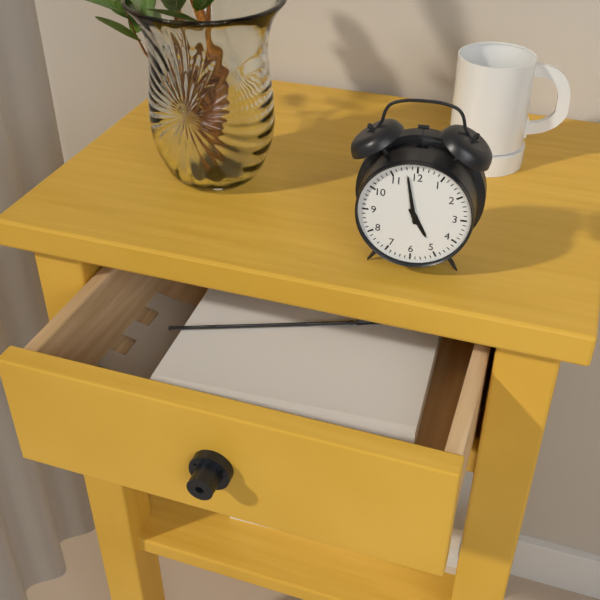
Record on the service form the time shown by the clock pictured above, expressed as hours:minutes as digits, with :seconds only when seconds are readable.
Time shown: 4:58
